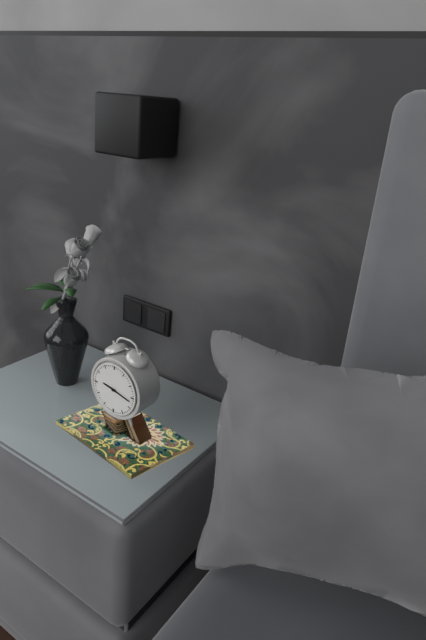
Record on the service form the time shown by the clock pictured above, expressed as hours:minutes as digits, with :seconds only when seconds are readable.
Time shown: 9:17
